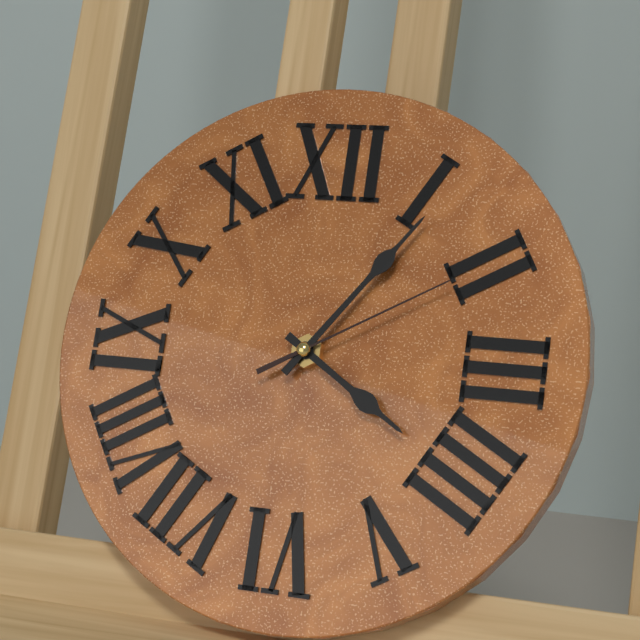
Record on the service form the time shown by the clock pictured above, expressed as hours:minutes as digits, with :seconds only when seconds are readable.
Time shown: 4:06:10
